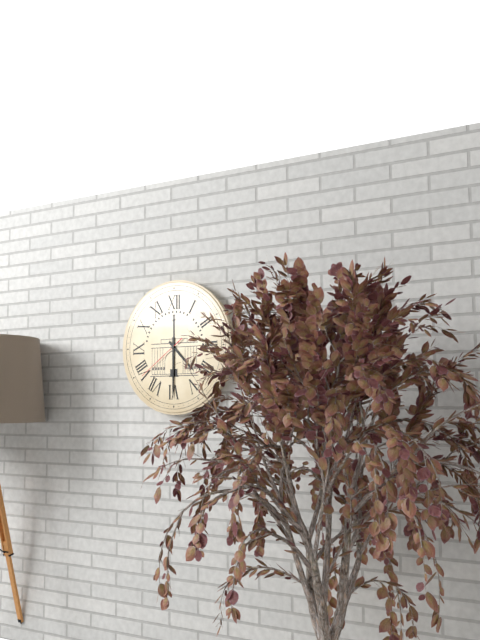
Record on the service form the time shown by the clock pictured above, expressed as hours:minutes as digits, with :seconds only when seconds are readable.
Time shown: 4:30:39
